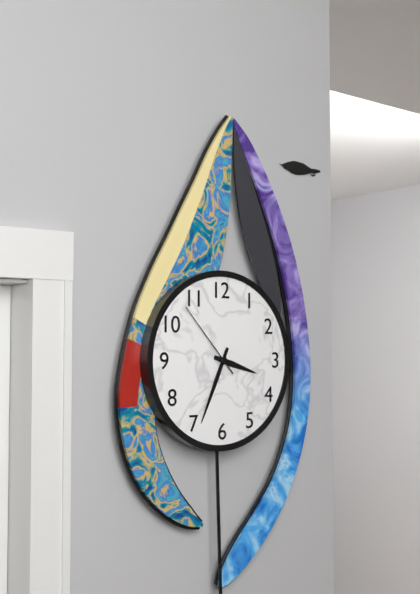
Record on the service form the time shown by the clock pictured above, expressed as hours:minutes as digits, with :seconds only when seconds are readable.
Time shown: 3:34:53
